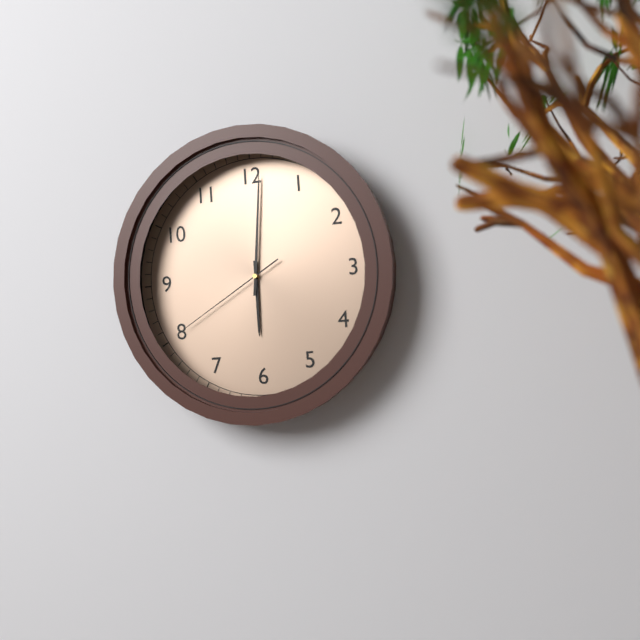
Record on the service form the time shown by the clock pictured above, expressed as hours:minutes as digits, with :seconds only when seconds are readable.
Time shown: 6:01:40
